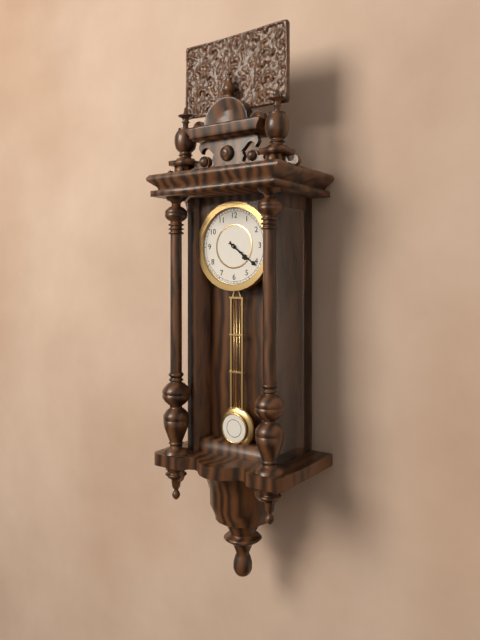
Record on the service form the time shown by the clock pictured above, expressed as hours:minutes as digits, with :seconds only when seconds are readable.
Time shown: 4:21
